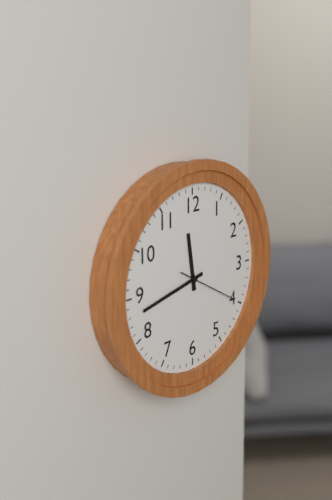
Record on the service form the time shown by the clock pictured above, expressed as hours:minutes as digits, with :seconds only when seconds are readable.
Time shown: 11:43:20
